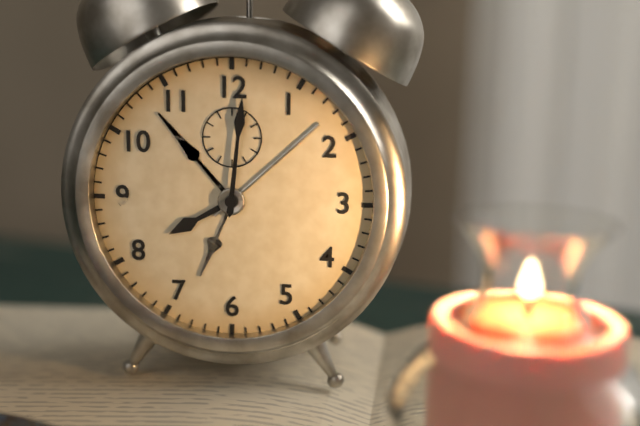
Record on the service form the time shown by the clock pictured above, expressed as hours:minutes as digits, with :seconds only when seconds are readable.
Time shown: 8:01
